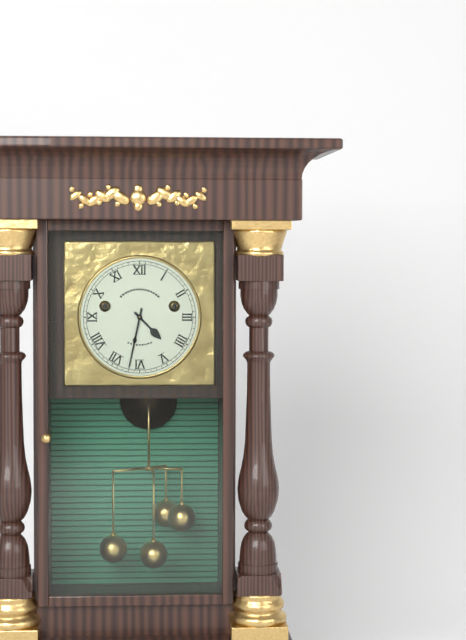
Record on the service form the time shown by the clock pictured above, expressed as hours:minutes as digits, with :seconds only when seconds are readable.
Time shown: 4:32
